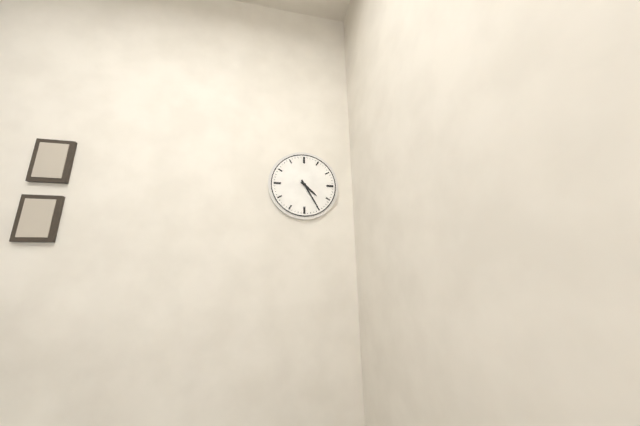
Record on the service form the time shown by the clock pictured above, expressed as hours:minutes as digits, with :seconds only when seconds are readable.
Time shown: 4:25
